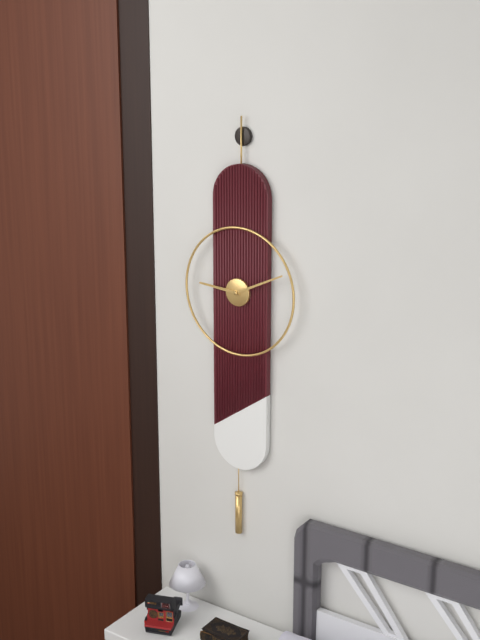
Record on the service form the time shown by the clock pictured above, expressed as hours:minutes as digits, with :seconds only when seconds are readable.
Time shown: 9:11
